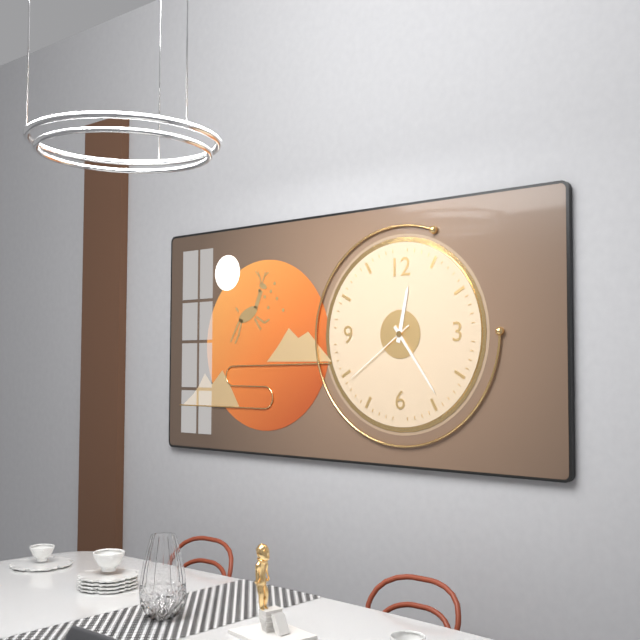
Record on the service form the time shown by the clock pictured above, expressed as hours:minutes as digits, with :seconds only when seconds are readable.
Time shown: 12:24:39
